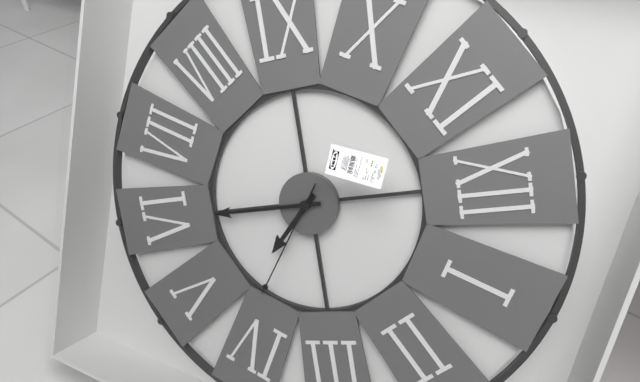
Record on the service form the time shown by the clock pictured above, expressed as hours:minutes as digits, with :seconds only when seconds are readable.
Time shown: 4:30:21
